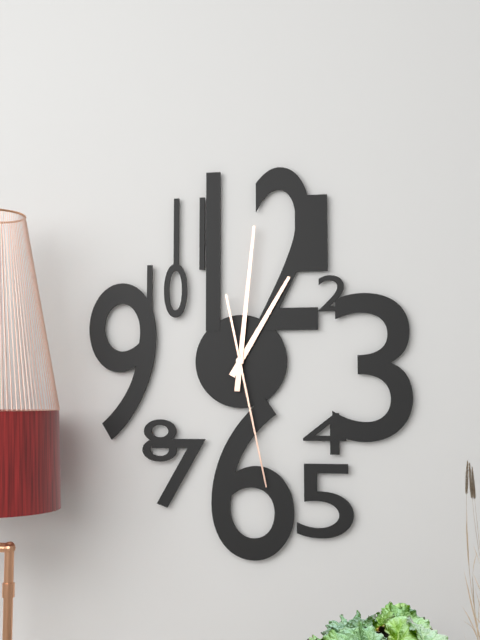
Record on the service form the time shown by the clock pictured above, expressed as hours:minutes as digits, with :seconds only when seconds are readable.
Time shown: 1:01:28
